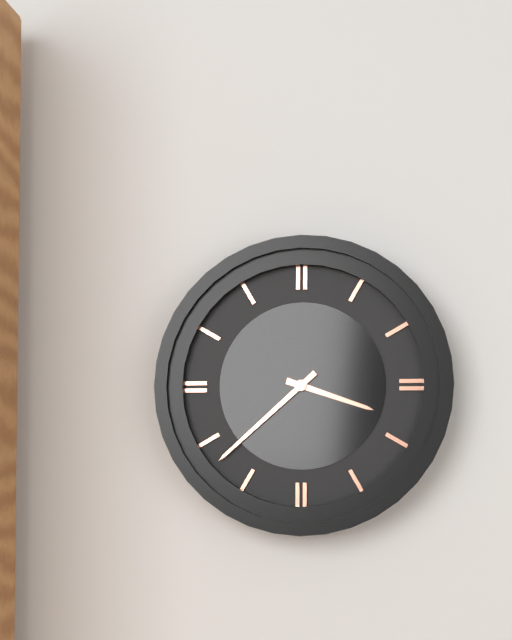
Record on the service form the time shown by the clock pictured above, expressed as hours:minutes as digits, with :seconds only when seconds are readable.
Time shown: 3:38
